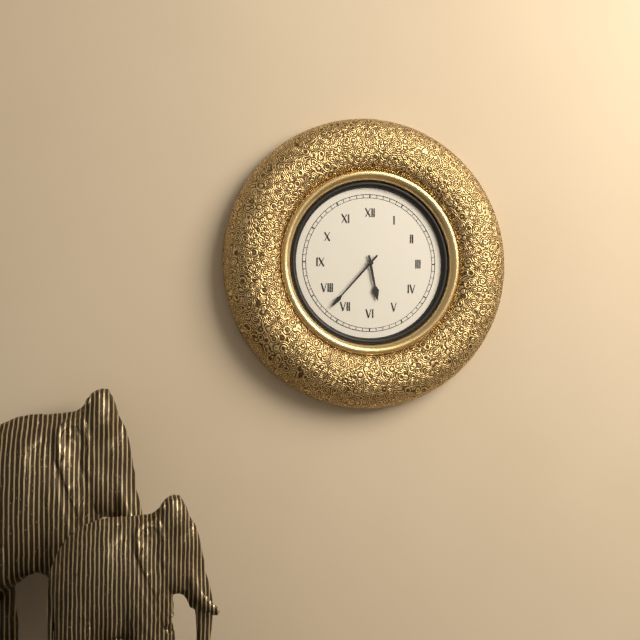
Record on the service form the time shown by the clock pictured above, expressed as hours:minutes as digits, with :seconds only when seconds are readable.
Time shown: 5:37
